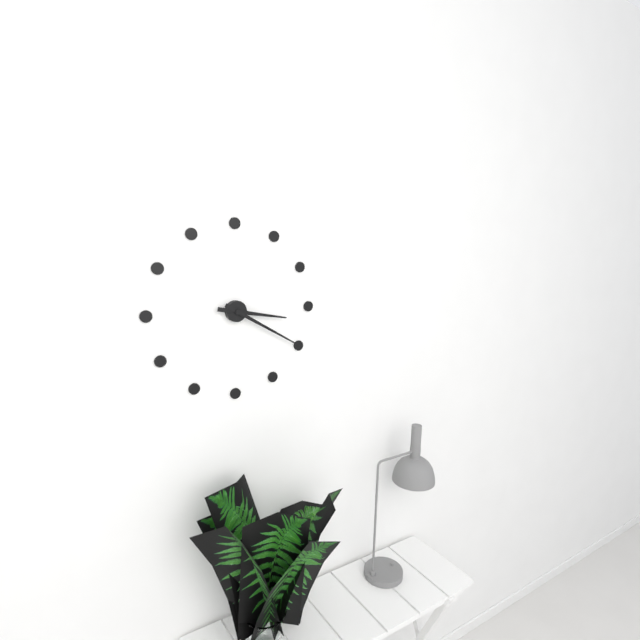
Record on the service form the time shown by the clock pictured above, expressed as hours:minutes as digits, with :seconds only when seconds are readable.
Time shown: 3:20
